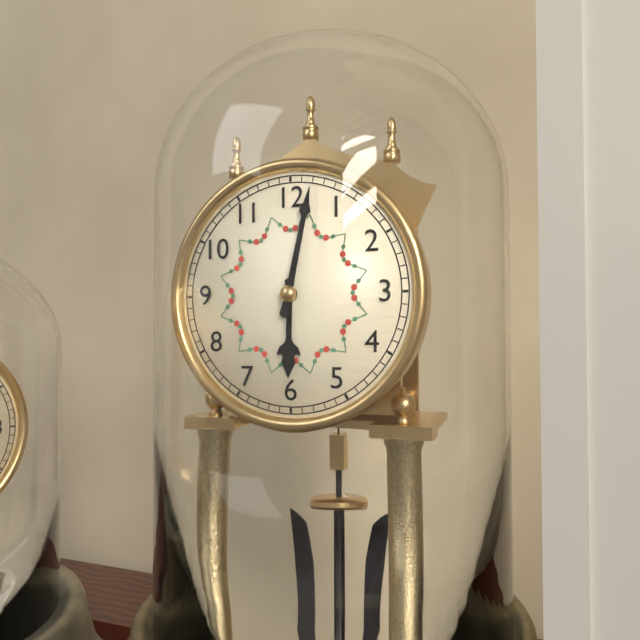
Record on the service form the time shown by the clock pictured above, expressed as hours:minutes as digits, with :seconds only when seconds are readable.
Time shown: 6:02
